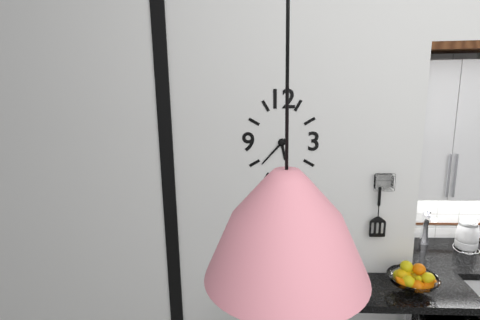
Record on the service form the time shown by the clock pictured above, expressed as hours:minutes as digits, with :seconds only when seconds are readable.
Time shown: 5:37
